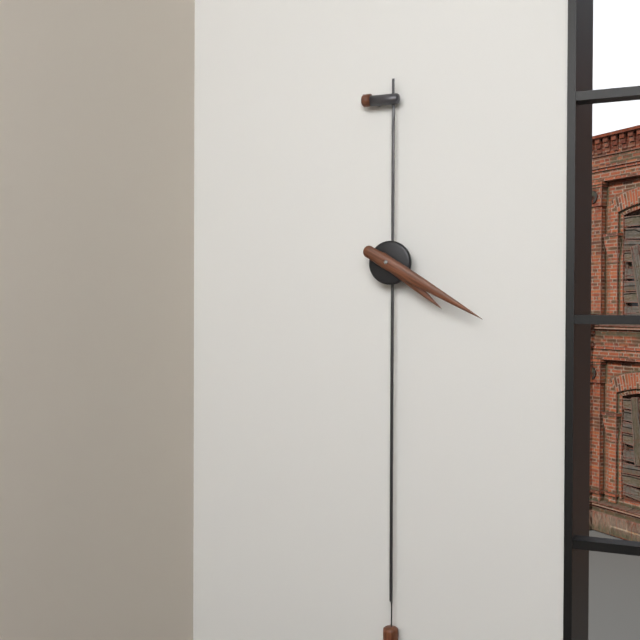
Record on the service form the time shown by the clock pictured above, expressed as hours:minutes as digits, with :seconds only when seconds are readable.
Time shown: 4:20
